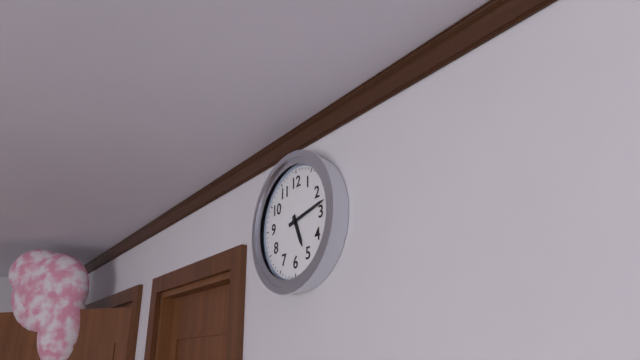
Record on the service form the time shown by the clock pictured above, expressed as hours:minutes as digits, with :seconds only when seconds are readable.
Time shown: 5:13
